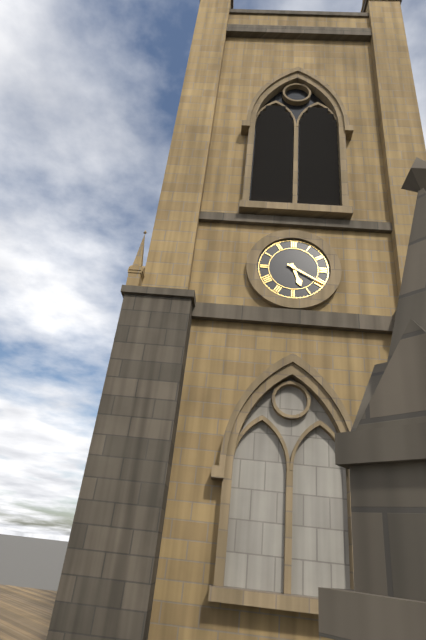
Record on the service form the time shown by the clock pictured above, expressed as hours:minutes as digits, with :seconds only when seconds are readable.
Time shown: 5:20
